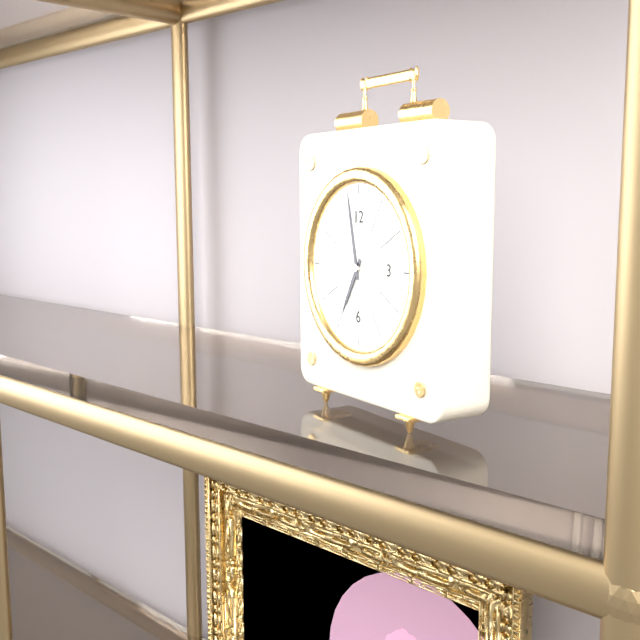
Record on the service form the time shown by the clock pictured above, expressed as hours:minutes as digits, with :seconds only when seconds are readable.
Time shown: 6:58
